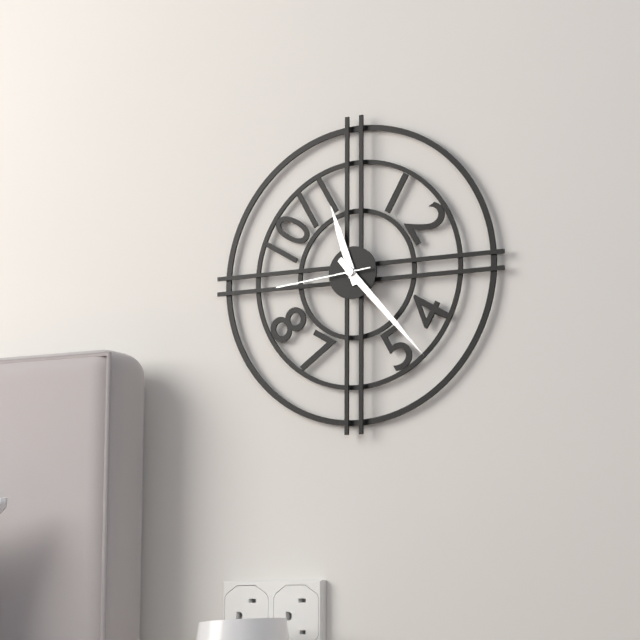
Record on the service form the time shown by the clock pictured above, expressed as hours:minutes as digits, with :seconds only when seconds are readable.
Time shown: 11:23:44
